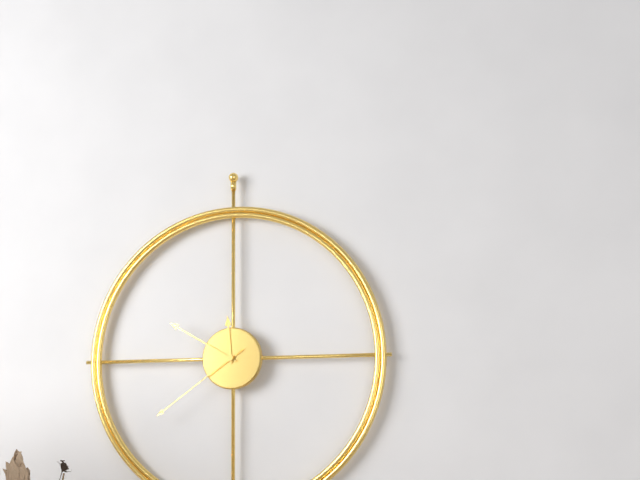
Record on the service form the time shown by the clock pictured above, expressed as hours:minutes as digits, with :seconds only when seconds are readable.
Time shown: 11:50:39
